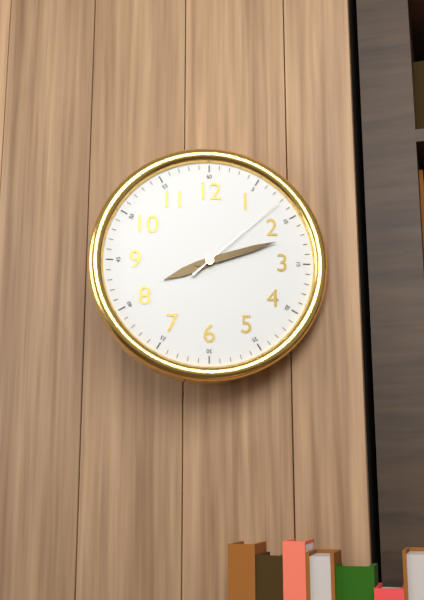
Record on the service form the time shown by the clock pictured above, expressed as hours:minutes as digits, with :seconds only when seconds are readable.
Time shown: 8:12:08
